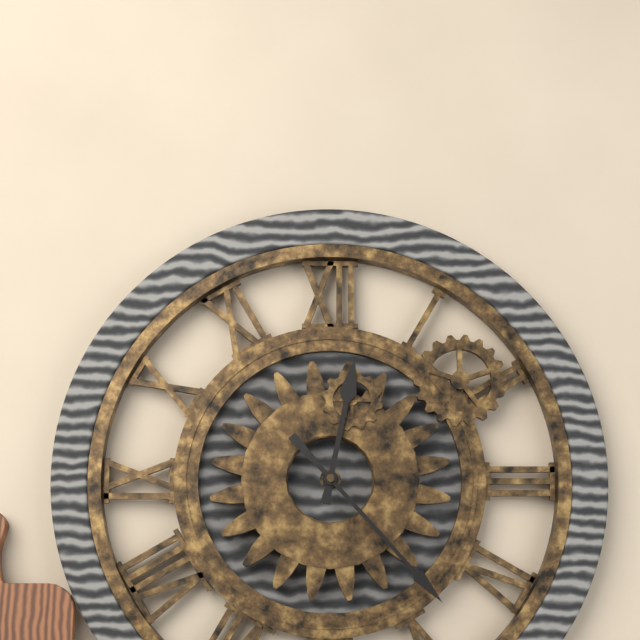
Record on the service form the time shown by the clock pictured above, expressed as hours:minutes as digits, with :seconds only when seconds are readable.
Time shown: 12:23
